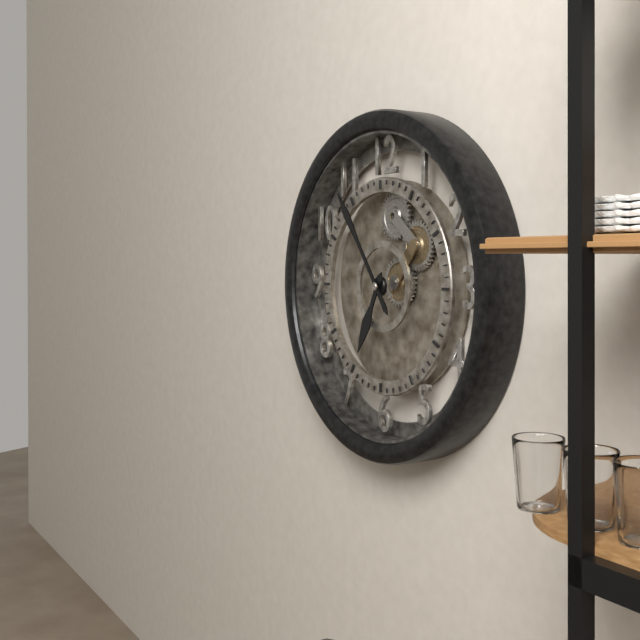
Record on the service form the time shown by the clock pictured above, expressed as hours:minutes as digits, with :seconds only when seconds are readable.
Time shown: 6:54
